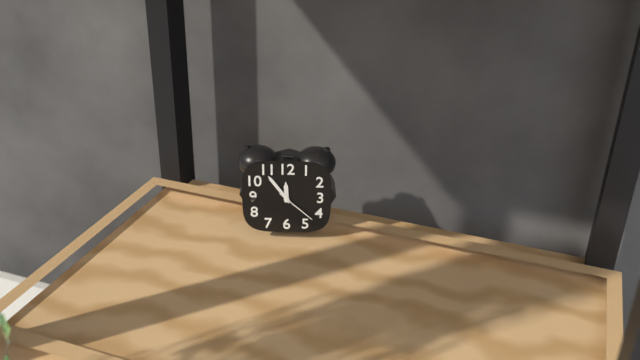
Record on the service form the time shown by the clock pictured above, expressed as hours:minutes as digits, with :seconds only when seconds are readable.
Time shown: 11:54
